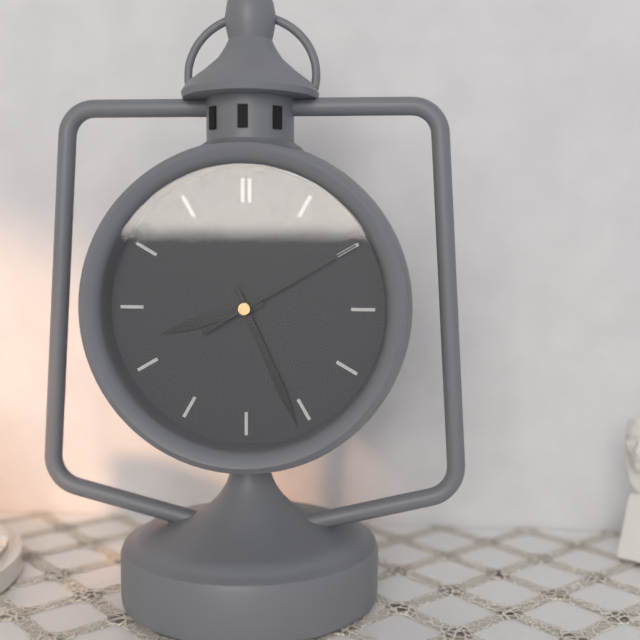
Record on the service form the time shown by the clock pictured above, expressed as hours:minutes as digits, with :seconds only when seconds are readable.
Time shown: 8:26:10
